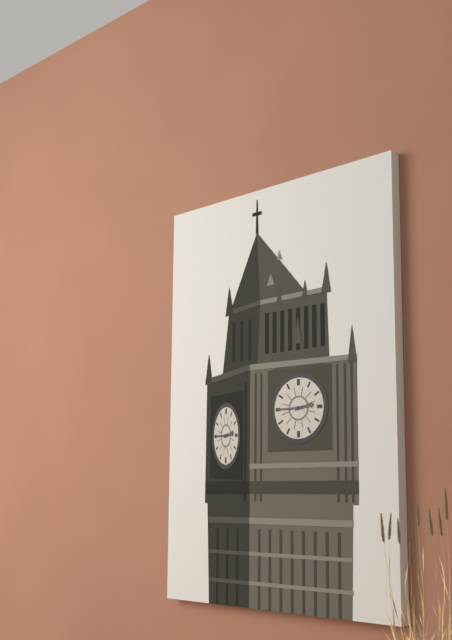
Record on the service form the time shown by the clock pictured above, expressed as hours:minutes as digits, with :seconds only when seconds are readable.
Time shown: 2:45
